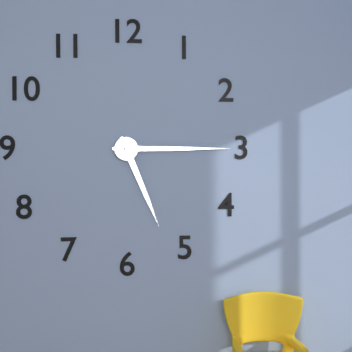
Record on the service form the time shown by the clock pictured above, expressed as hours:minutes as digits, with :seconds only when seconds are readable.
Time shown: 5:15
